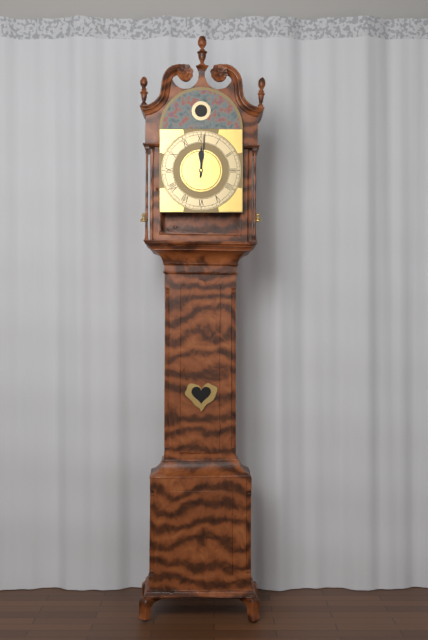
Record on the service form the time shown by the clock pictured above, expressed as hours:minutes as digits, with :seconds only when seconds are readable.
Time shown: 12:01
